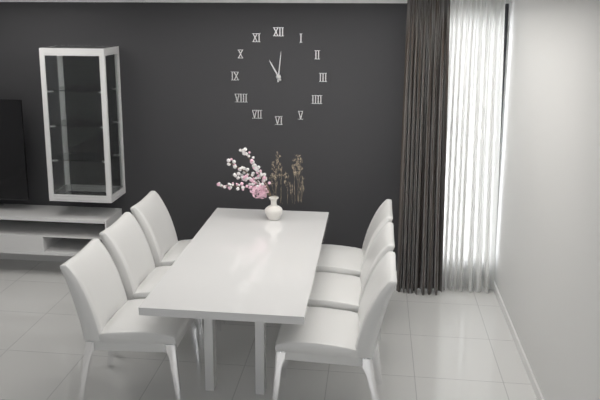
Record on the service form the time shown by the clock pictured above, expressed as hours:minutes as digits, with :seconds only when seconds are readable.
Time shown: 11:01
